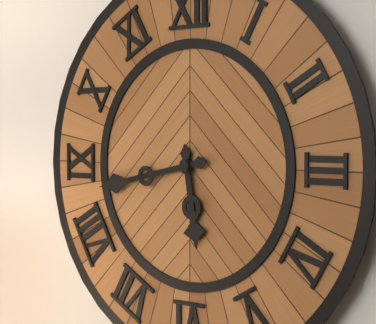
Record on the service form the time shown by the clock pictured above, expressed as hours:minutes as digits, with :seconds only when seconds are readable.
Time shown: 5:43
